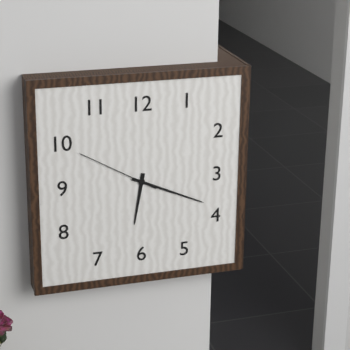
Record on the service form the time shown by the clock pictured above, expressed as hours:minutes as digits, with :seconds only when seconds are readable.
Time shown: 6:19:50
